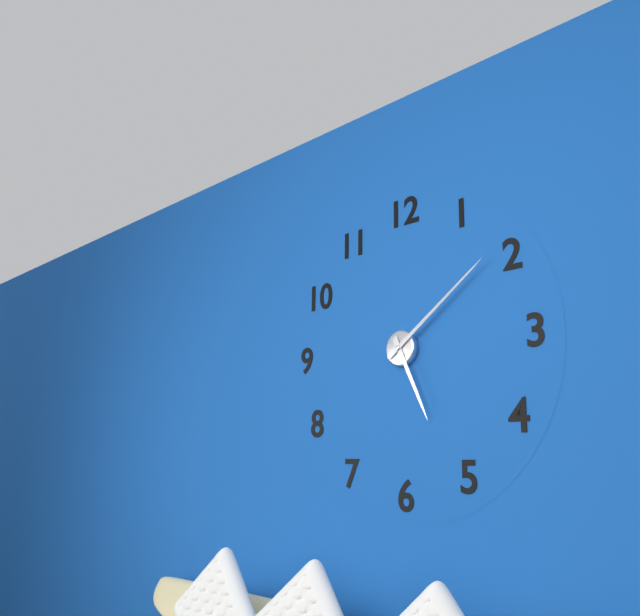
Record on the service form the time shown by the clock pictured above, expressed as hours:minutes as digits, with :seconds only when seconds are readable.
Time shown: 5:09
